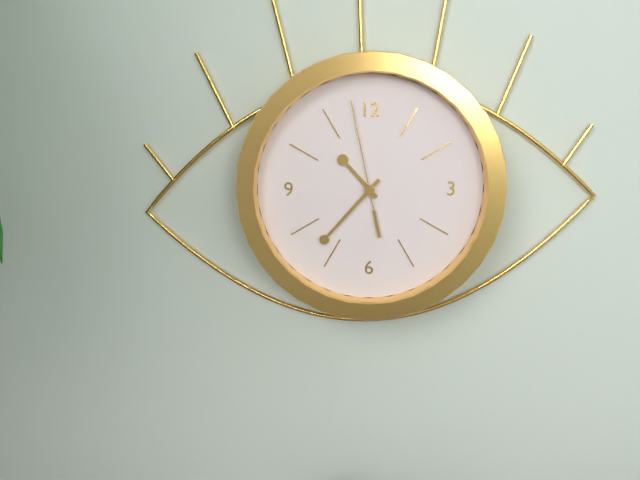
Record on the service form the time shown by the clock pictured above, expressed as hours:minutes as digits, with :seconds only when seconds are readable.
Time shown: 10:37:58
